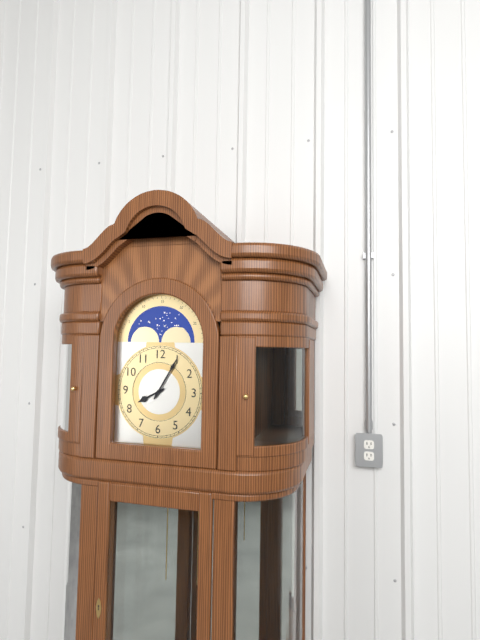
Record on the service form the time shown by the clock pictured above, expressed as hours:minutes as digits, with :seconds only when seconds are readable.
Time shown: 8:05
